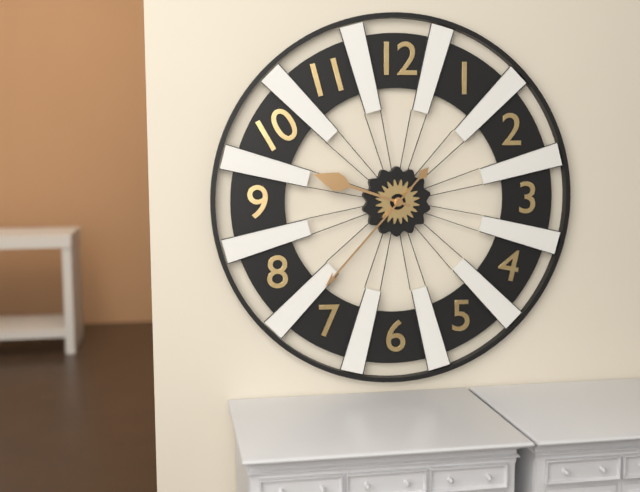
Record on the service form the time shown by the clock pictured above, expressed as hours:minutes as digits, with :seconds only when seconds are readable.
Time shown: 9:37
